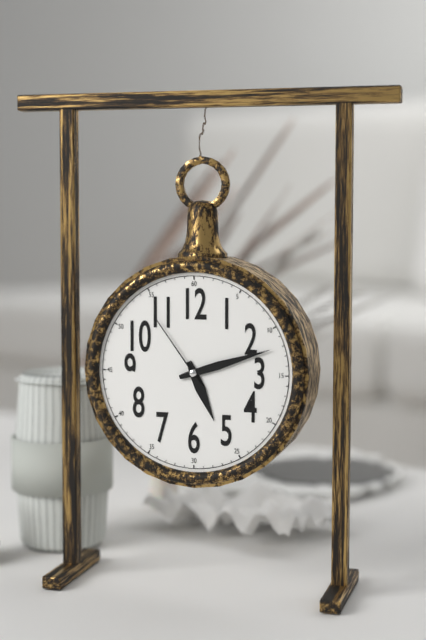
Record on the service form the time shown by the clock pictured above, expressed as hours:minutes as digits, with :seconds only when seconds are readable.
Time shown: 5:12:54
